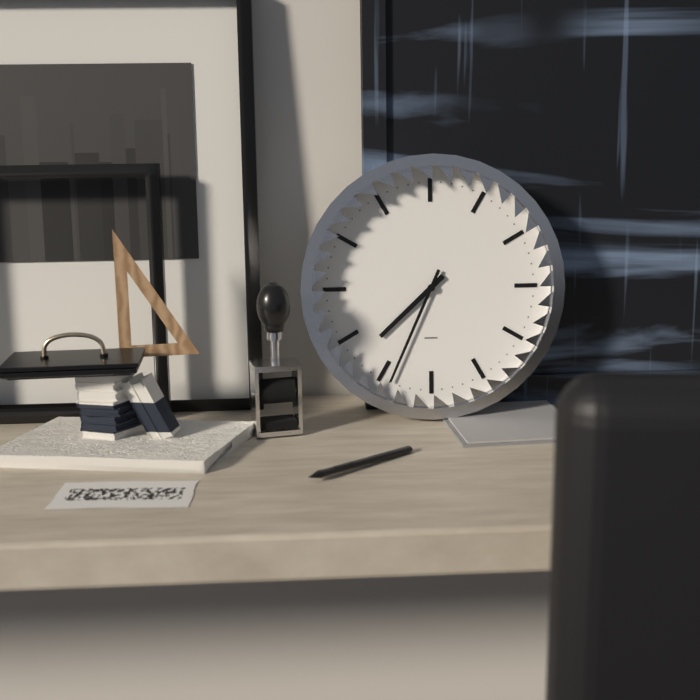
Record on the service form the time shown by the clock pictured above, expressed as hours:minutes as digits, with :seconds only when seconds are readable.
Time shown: 7:34
